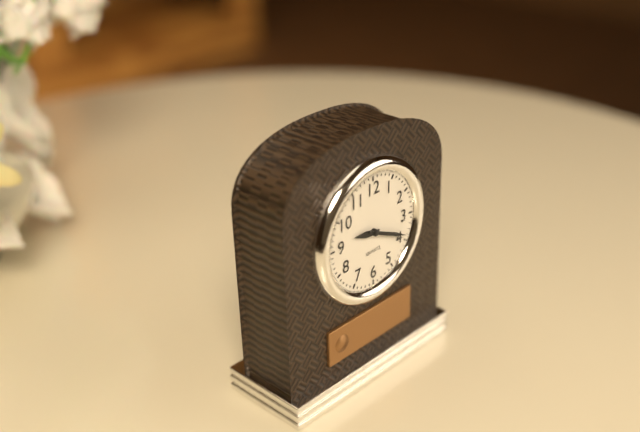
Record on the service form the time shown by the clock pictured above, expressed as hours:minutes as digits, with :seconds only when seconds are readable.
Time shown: 9:19
